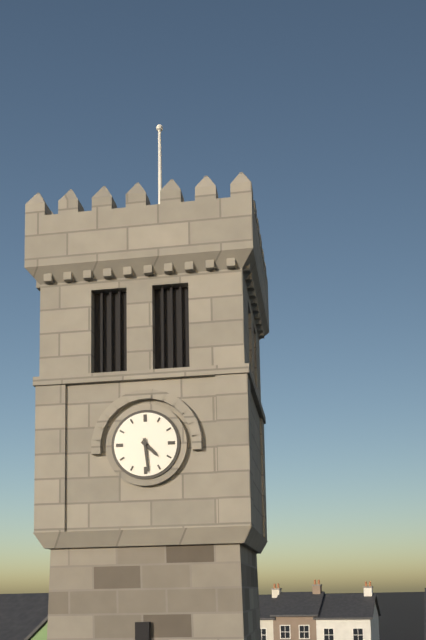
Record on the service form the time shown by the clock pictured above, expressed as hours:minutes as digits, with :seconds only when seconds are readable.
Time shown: 4:29
